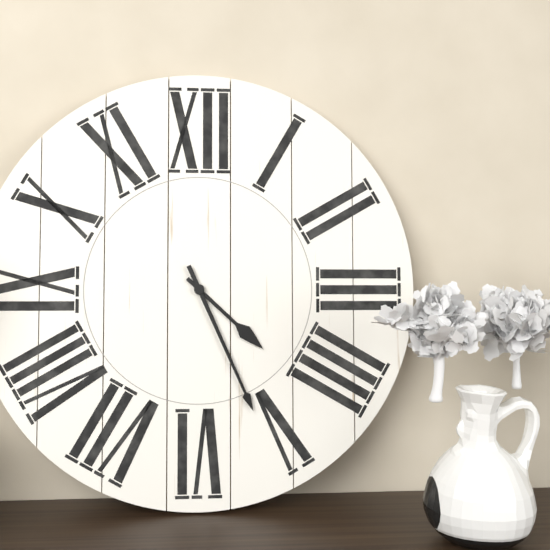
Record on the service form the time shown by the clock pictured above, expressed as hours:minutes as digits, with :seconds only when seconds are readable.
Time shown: 4:26
